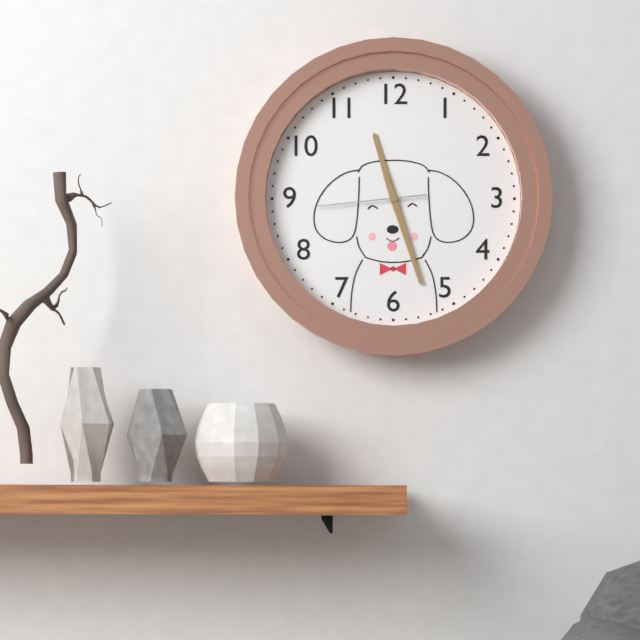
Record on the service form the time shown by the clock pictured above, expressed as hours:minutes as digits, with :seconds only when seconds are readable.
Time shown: 11:27:44
